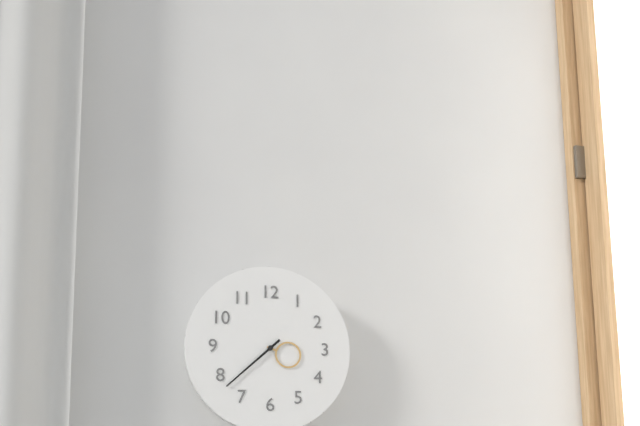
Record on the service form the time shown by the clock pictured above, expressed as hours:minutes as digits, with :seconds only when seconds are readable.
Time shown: 3:38
